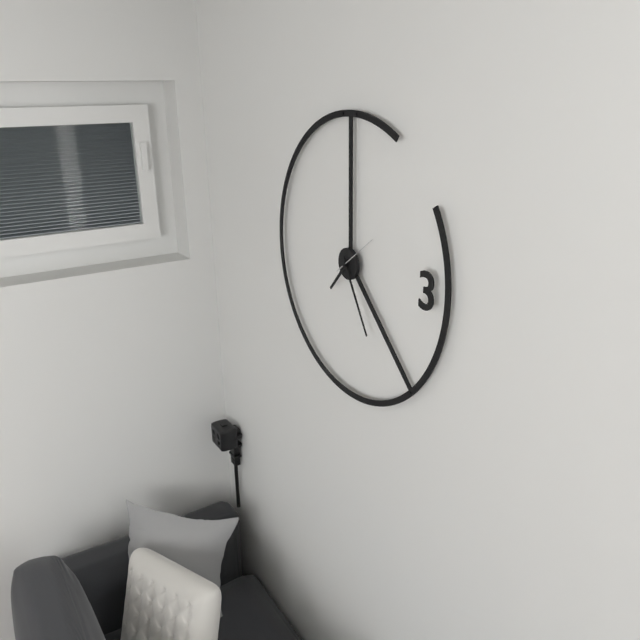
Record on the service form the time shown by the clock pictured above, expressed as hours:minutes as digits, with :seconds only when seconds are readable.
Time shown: 7:25
